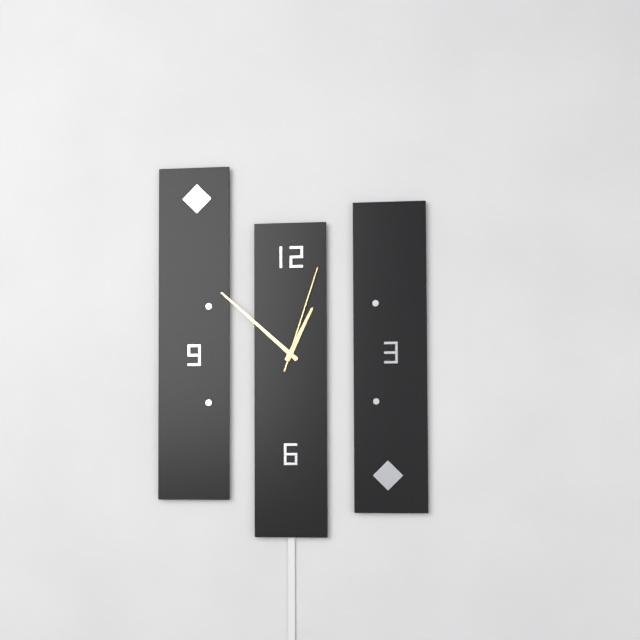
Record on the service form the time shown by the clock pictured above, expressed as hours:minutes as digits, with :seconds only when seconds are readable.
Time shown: 12:52:03
